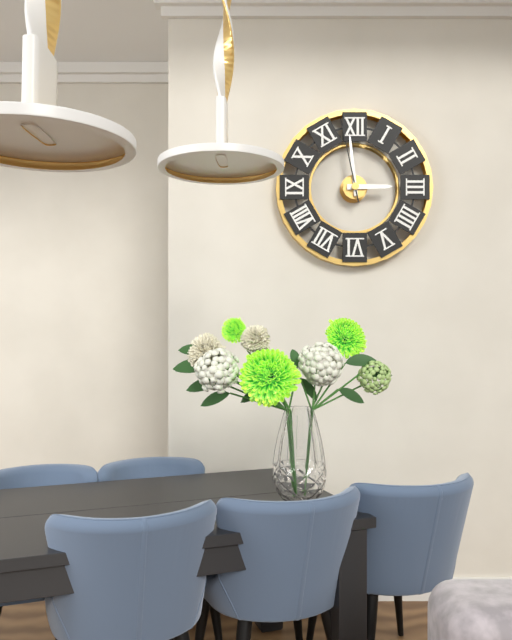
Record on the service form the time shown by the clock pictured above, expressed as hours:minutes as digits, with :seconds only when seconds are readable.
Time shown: 2:59:58
